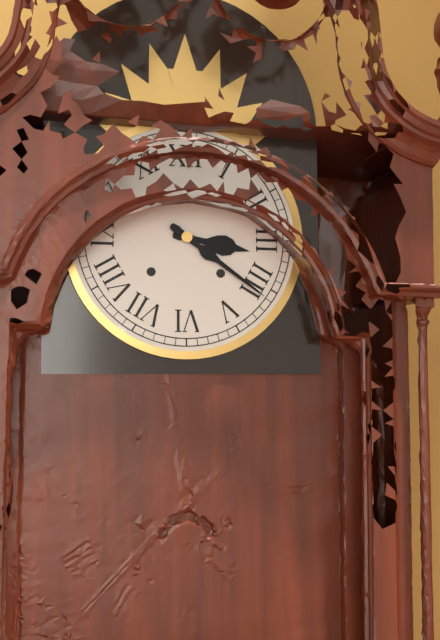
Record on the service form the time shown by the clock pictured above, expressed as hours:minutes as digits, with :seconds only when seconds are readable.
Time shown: 3:21
